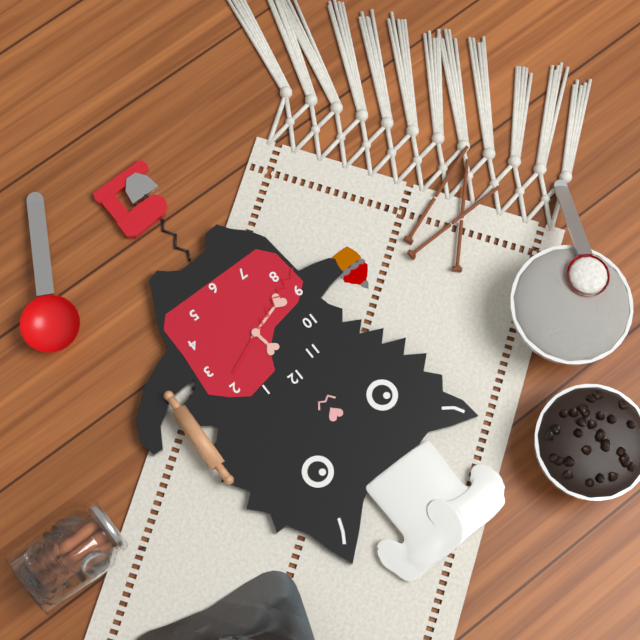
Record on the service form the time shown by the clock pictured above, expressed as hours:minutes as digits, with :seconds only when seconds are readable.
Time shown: 11:42:41
